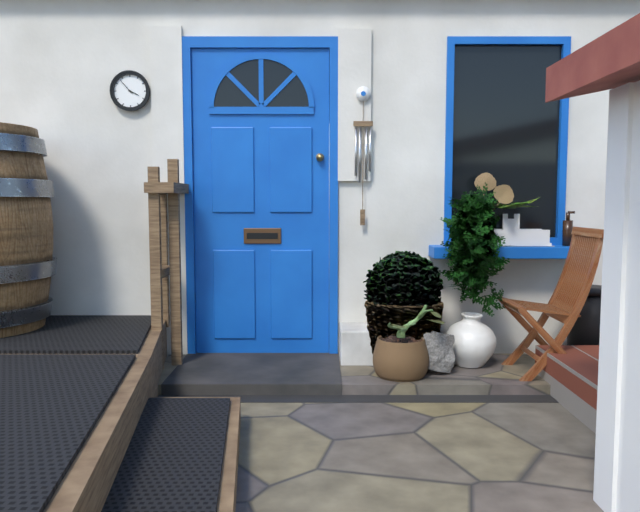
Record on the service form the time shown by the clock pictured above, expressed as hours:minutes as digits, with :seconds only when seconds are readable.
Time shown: 3:53
